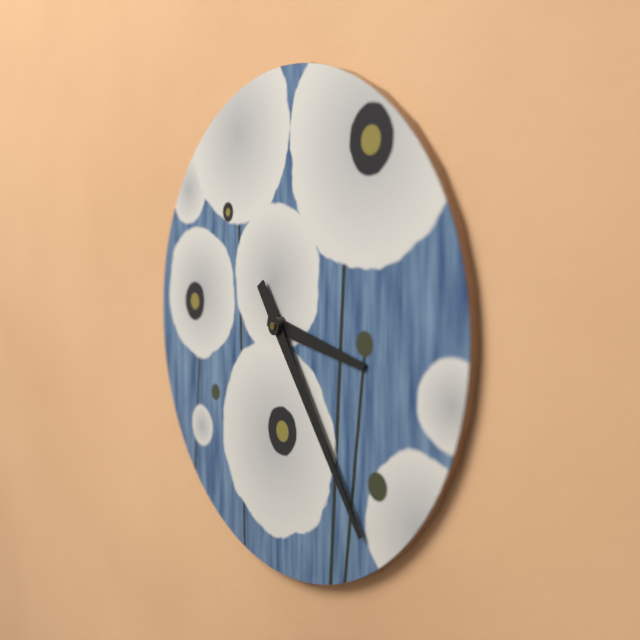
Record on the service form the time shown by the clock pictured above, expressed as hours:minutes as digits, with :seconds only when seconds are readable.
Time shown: 3:24
